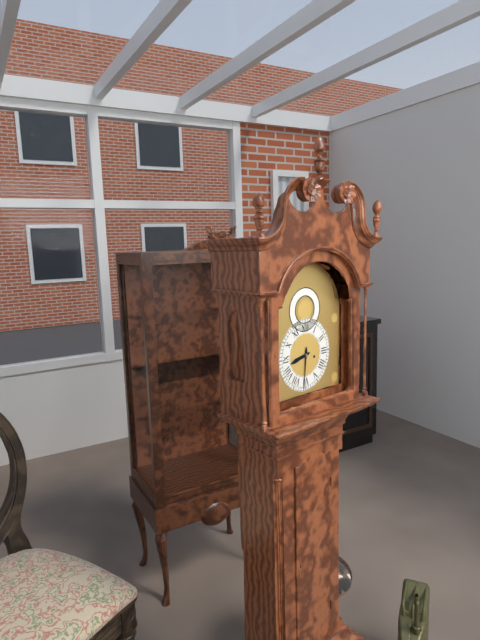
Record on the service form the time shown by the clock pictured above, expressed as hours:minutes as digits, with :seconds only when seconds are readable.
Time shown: 8:31
